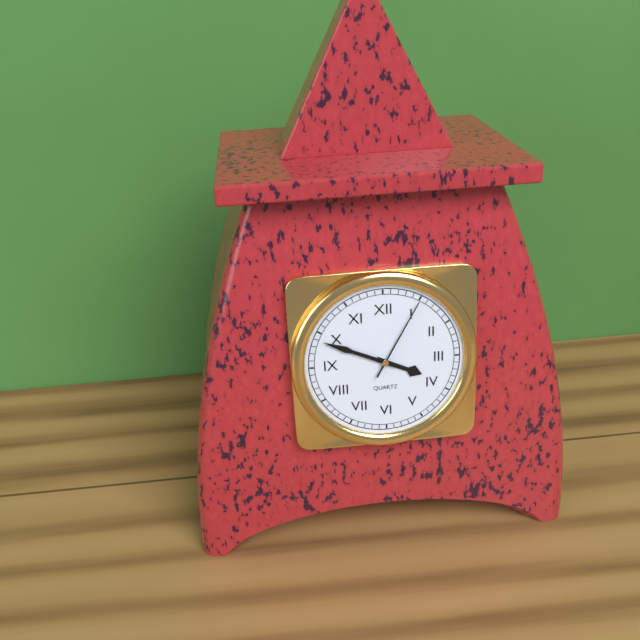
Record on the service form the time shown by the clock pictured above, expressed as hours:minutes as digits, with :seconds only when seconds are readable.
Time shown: 3:49:05
